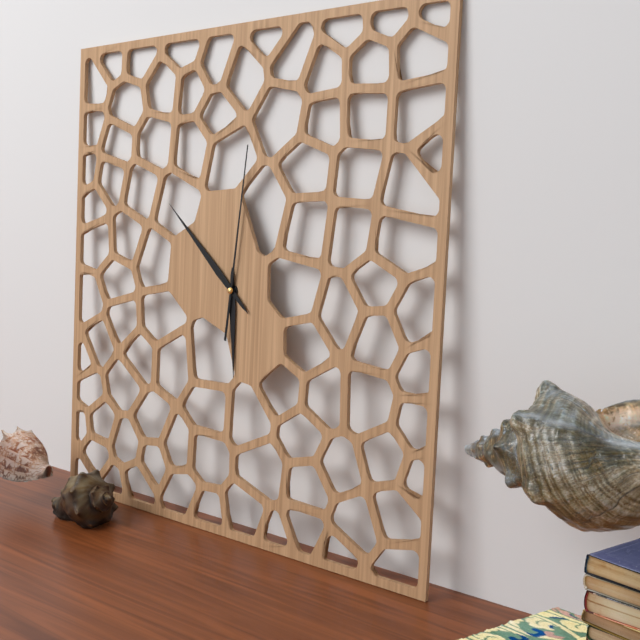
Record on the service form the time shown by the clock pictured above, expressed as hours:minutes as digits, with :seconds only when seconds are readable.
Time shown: 5:52:01
